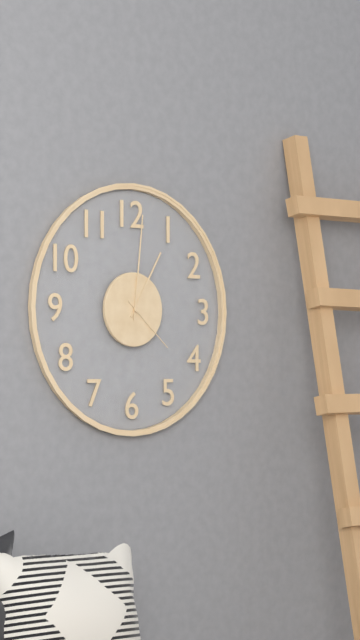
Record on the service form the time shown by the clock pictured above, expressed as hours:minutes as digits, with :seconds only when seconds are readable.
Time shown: 1:01:22
